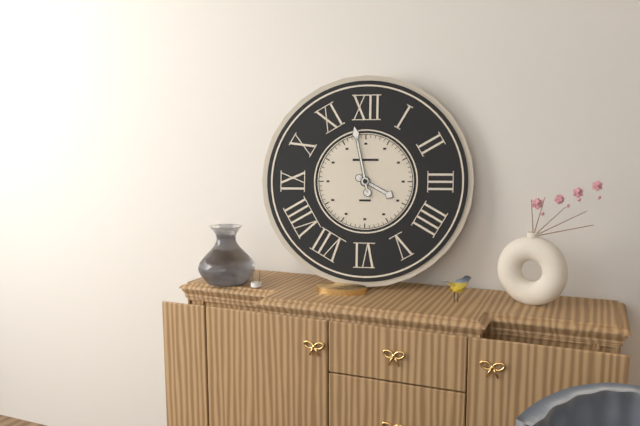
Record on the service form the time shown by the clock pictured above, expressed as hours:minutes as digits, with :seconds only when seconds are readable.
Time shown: 3:58
